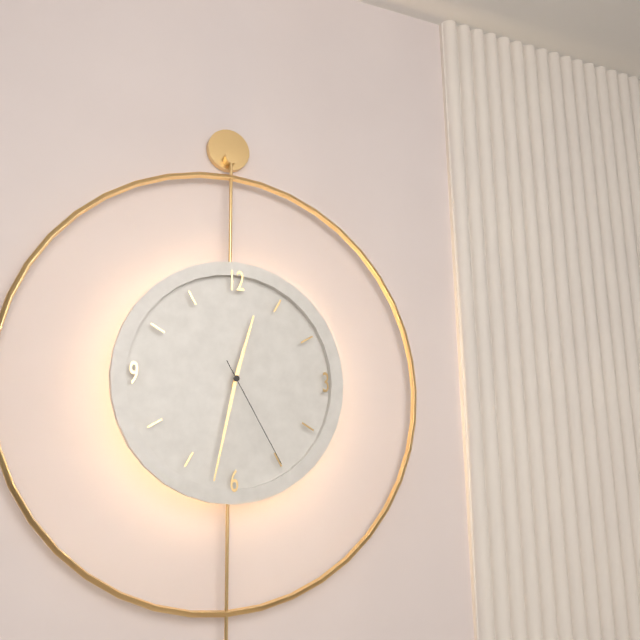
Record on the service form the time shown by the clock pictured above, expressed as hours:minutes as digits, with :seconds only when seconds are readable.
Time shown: 12:32:25
